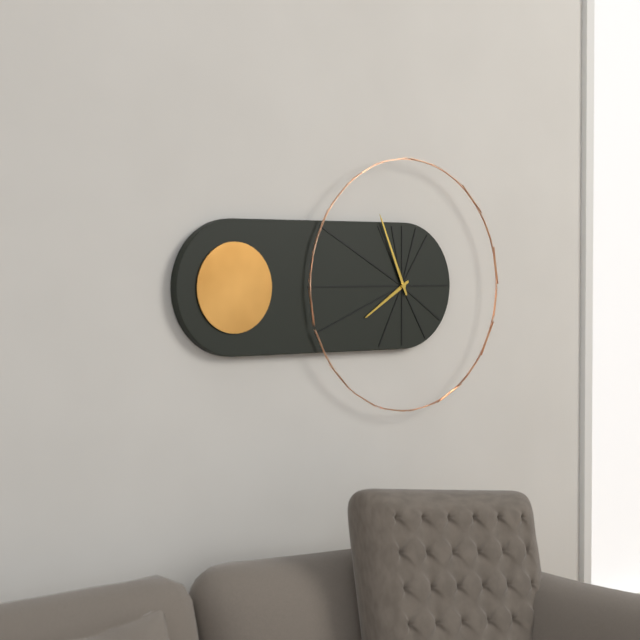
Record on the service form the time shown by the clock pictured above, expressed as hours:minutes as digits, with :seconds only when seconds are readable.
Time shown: 7:56
